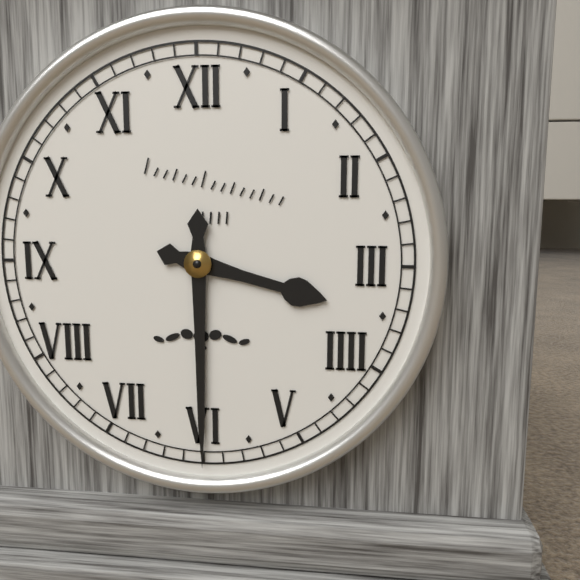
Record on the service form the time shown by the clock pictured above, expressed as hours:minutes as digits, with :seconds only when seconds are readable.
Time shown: 3:30
